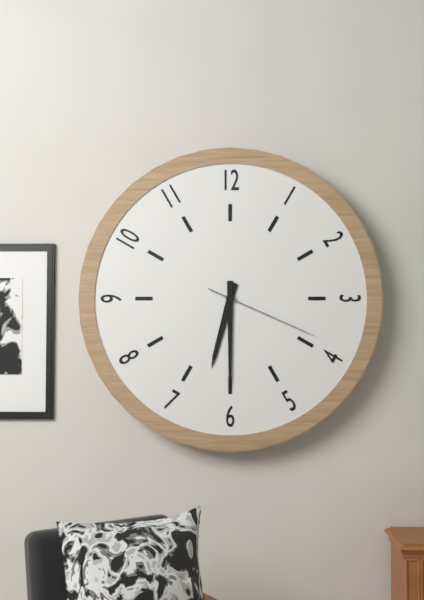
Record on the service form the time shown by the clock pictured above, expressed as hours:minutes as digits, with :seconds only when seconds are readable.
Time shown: 6:30:19
